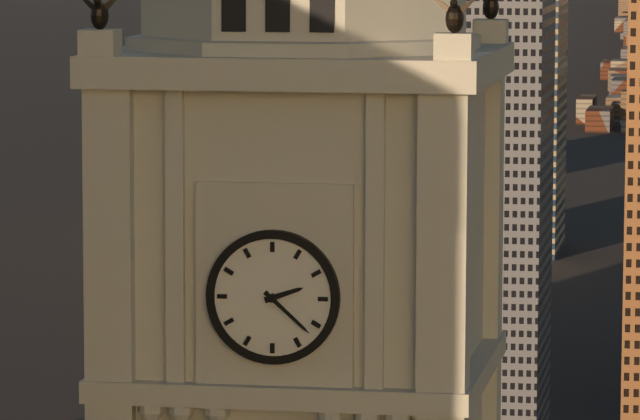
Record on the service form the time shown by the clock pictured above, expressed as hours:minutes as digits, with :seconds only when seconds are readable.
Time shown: 2:22
